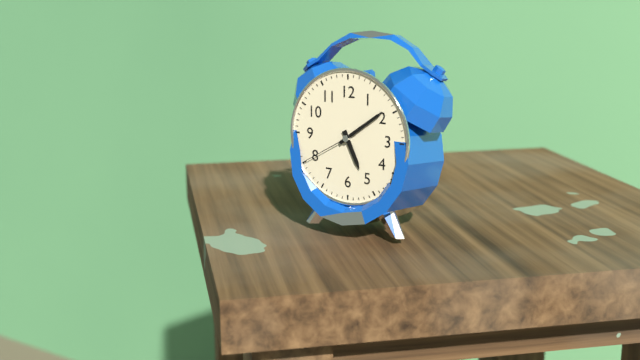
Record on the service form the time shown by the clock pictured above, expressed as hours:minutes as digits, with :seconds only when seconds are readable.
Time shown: 5:09:40
